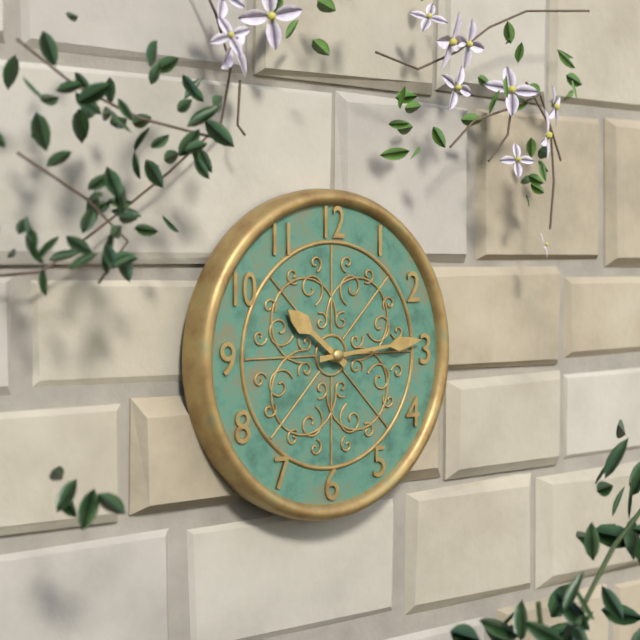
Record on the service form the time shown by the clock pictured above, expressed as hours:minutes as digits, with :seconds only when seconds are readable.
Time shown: 10:14
